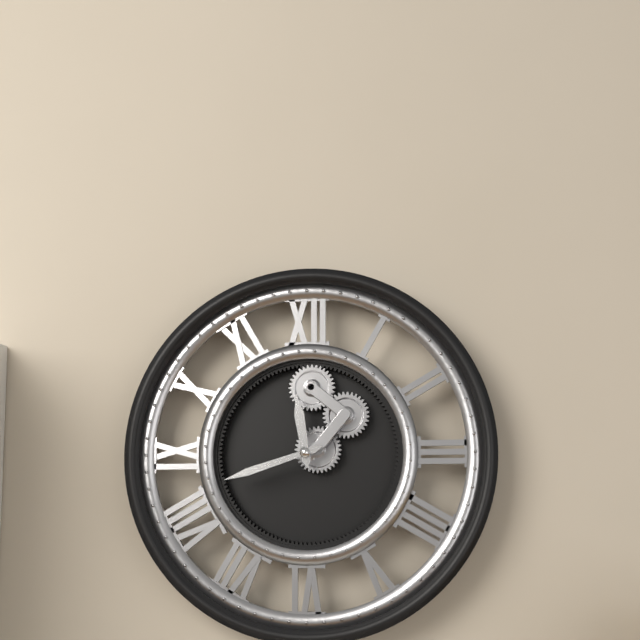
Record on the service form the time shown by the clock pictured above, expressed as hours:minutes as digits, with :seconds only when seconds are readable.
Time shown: 11:42
